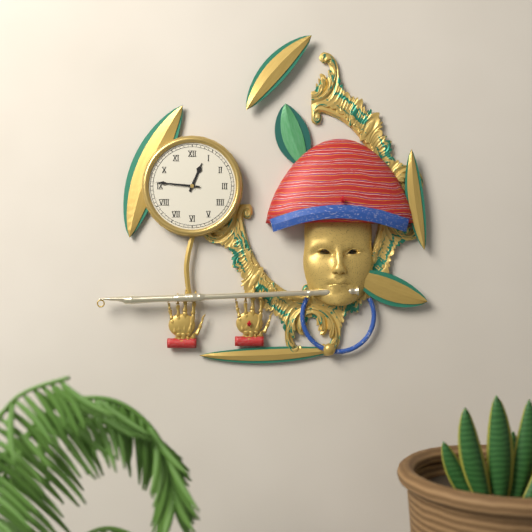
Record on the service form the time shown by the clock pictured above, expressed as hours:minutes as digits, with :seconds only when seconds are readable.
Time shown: 12:46
